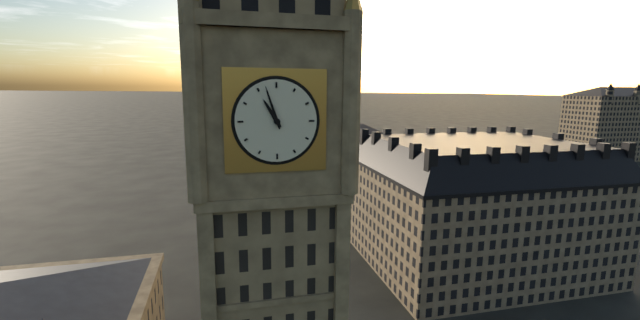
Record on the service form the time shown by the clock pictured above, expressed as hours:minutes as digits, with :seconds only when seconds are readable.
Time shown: 10:57
